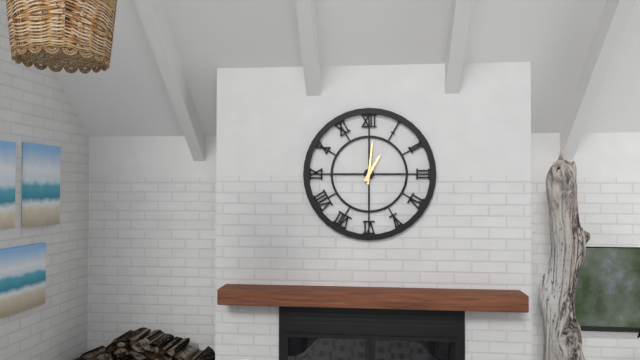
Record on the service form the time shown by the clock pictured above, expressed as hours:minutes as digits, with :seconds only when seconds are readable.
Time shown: 1:01
